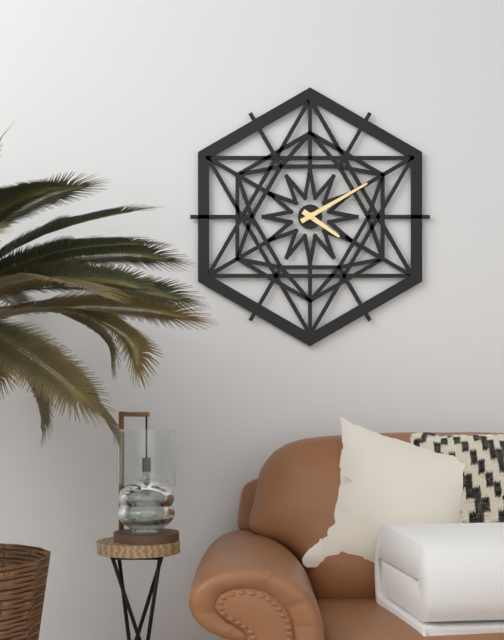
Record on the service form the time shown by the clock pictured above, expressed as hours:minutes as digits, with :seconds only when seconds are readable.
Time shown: 4:10
